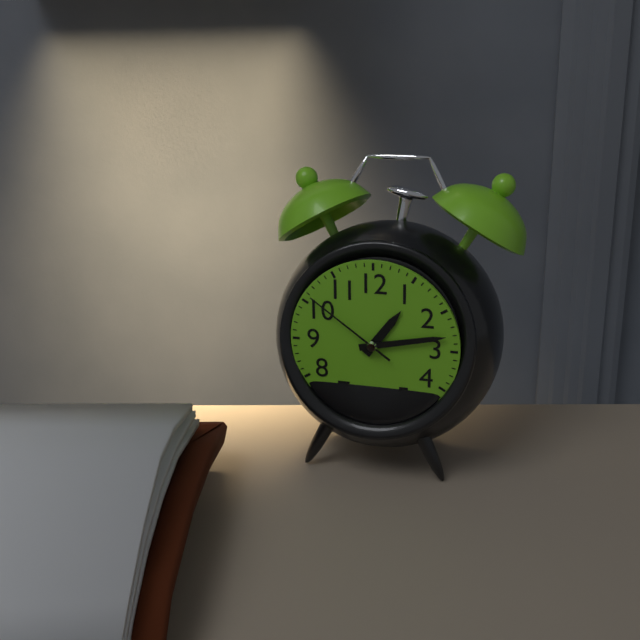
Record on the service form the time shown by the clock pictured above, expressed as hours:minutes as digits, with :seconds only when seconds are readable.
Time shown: 1:13:51
